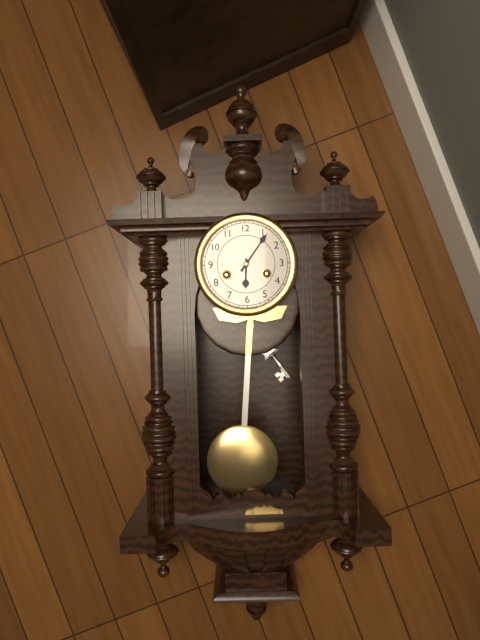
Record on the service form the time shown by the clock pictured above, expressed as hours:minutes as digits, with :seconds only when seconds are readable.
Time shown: 6:06
